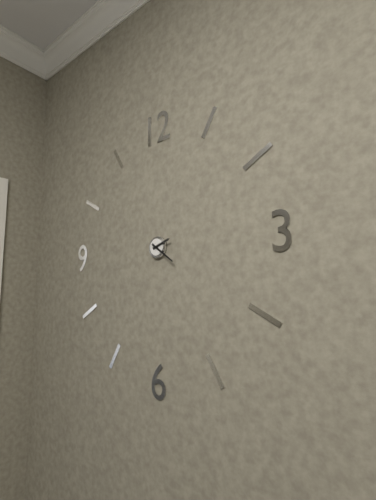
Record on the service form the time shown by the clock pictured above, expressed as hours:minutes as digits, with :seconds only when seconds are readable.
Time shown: 2:21
